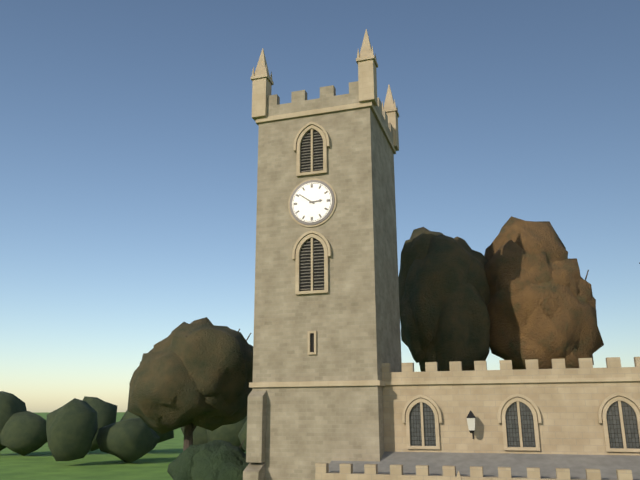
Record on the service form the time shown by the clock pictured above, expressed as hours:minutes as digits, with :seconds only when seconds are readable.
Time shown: 2:51
